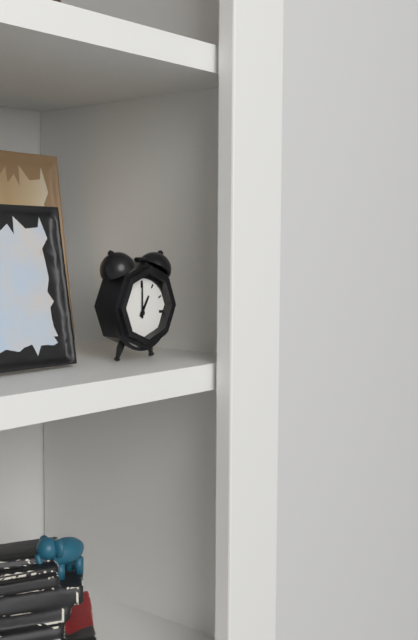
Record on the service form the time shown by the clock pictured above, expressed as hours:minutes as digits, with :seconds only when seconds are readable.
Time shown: 1:00
